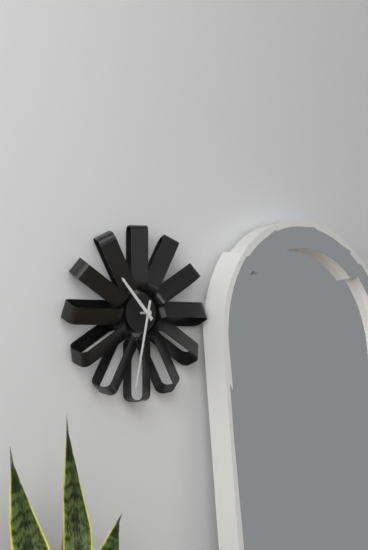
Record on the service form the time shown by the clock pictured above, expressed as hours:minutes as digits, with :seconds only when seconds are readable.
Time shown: 10:32
